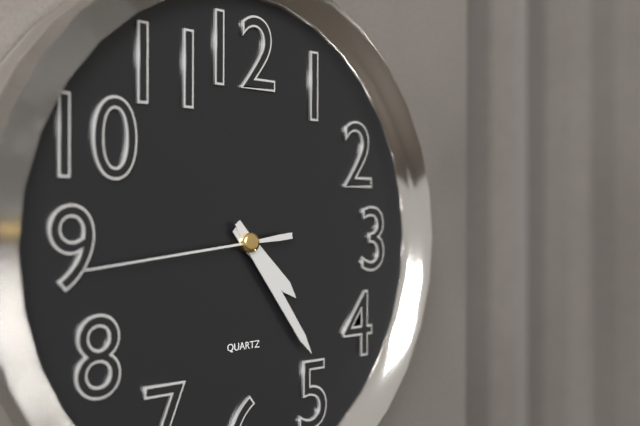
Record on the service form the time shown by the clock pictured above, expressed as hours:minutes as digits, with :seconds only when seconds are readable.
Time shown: 4:24:44
